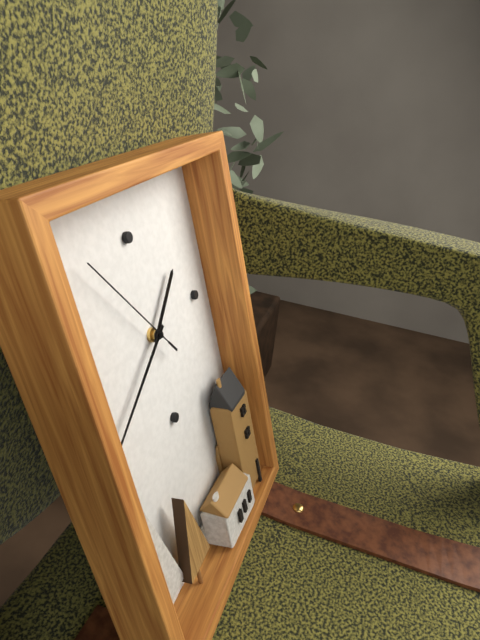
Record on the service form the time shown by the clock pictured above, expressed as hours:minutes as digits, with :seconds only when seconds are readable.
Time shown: 1:40:54
